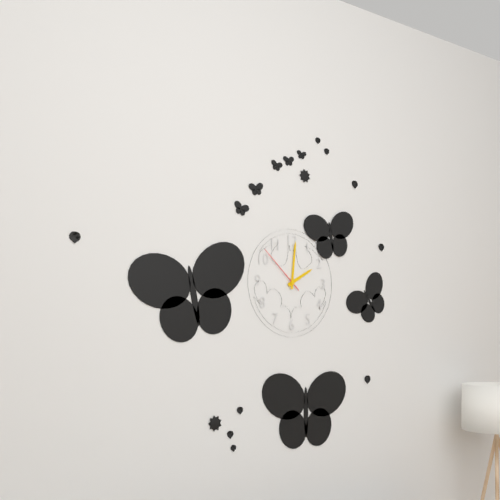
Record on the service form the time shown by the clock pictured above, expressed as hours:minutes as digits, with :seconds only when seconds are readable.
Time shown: 2:01:52
